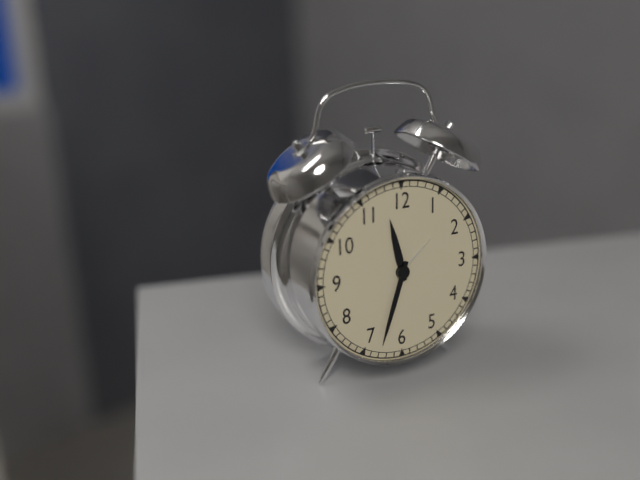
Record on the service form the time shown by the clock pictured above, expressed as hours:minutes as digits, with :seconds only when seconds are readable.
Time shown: 11:33
